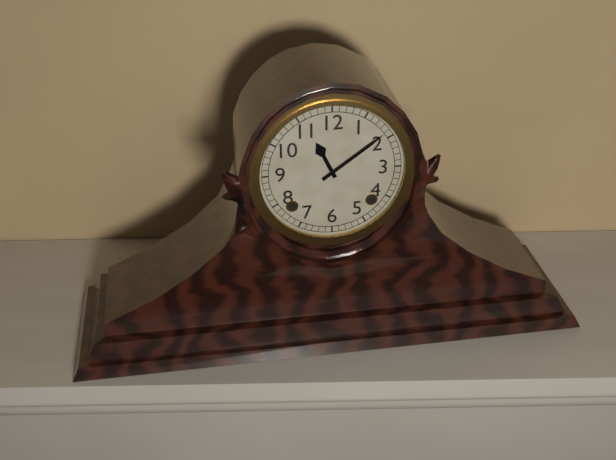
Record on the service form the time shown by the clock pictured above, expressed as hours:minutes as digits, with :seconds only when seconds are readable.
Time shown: 11:09
